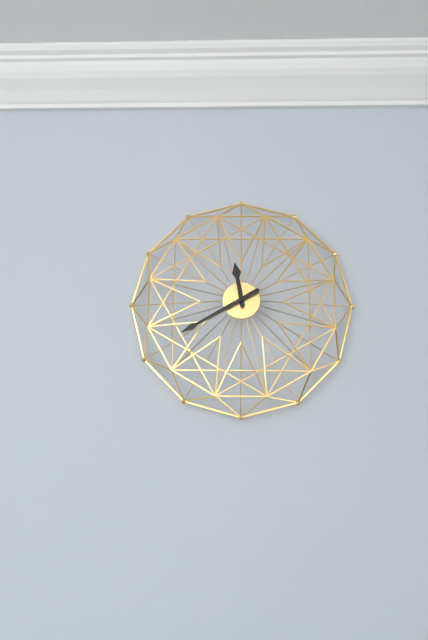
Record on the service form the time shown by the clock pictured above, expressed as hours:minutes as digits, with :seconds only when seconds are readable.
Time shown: 11:40
